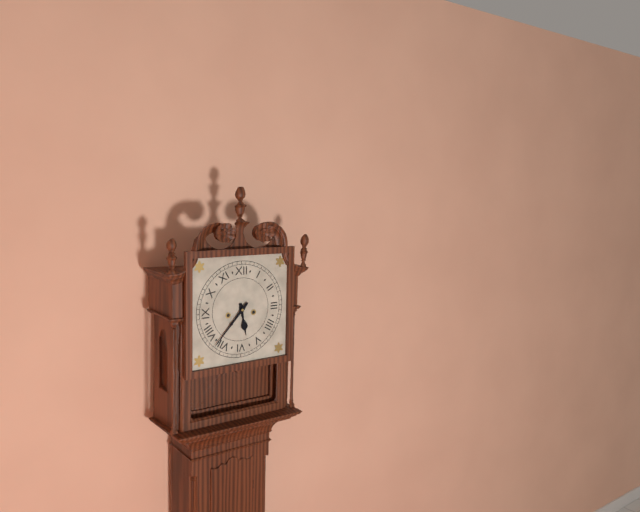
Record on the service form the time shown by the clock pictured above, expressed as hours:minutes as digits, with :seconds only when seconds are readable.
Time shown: 5:37
